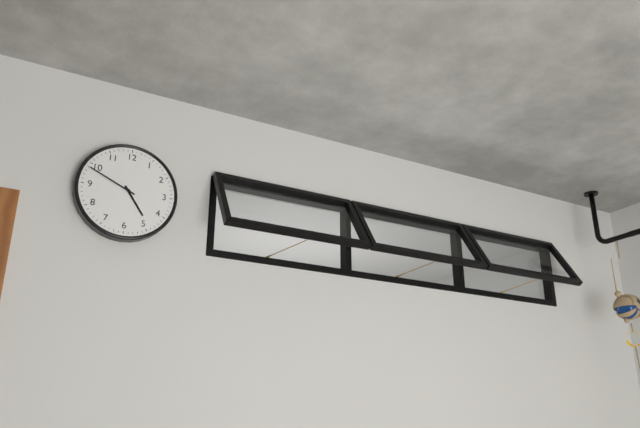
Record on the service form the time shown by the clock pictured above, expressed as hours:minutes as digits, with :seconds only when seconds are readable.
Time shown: 4:49
